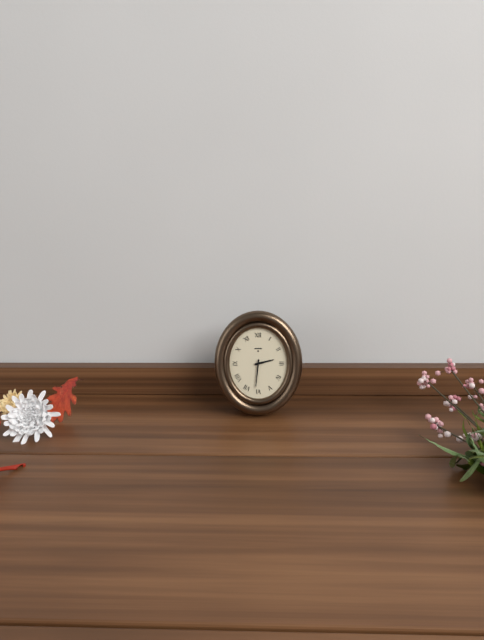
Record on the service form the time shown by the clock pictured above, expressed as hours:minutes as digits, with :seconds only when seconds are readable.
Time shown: 2:31
